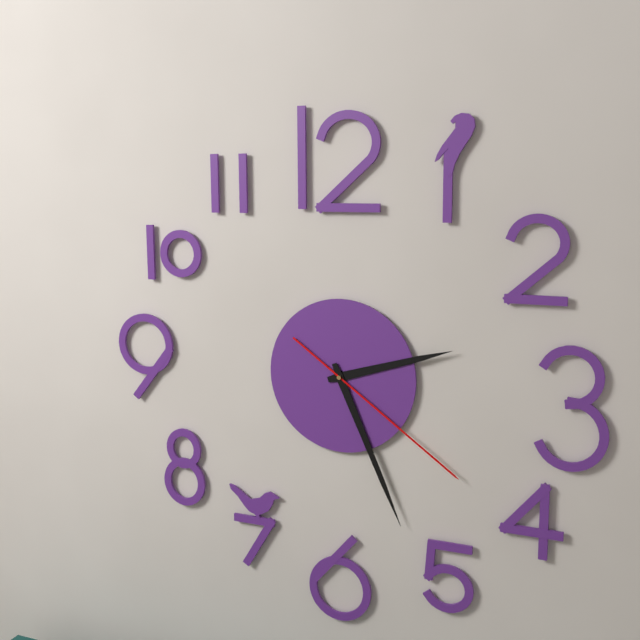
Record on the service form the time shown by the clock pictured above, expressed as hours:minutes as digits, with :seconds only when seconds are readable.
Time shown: 2:26:21
